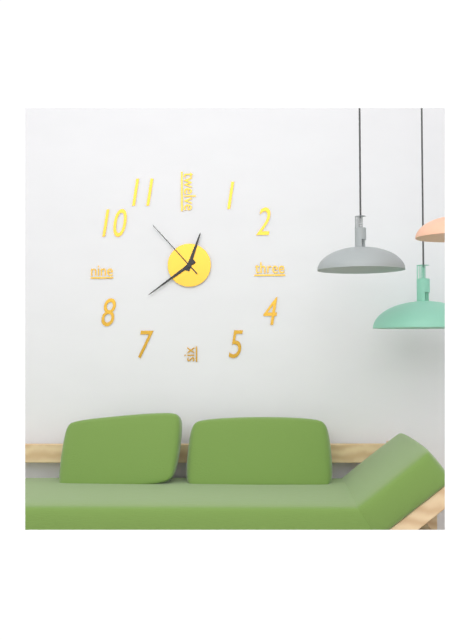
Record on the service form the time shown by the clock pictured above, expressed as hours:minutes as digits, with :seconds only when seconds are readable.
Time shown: 12:39:53
